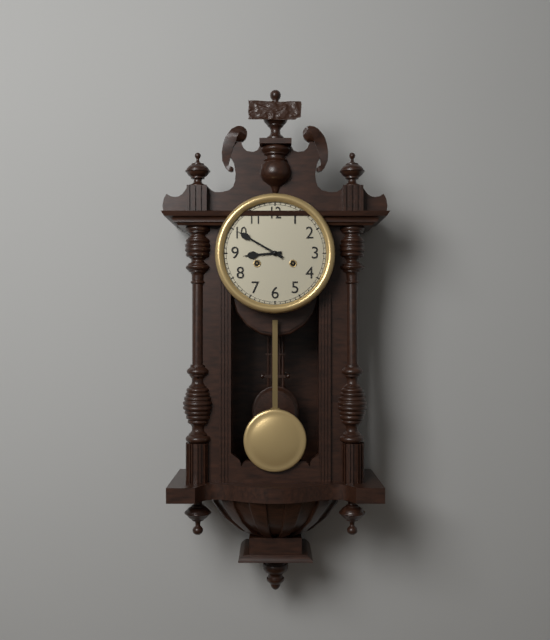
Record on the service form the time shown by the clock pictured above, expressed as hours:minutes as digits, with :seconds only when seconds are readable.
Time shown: 8:50
